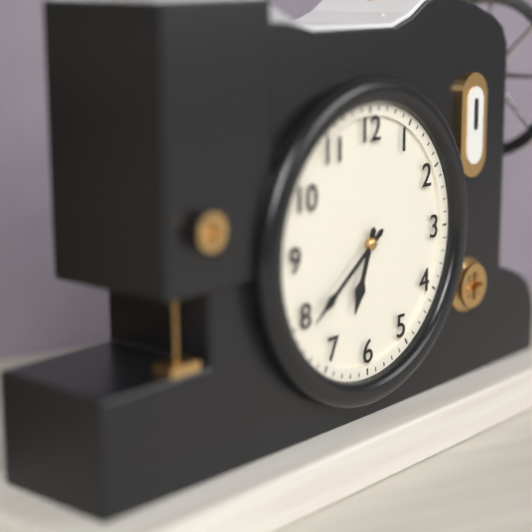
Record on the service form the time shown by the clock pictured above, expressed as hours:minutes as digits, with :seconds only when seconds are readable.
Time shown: 6:39
